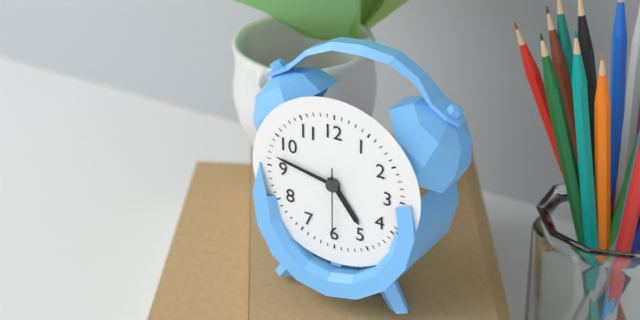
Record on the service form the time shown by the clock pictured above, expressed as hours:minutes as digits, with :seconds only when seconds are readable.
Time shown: 4:47:30
